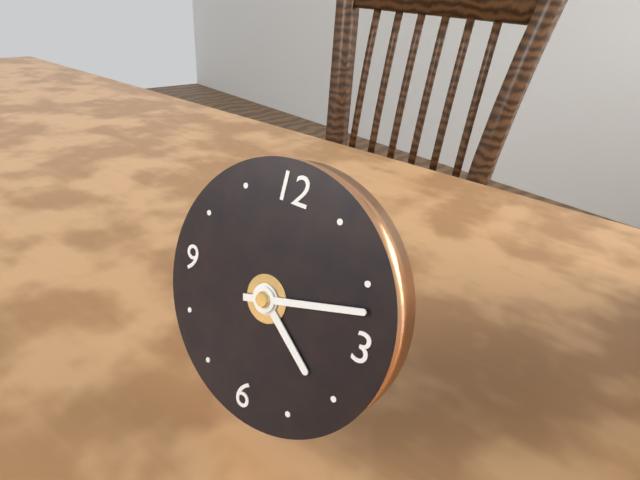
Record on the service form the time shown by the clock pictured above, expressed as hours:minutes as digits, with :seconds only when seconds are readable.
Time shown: 4:12
